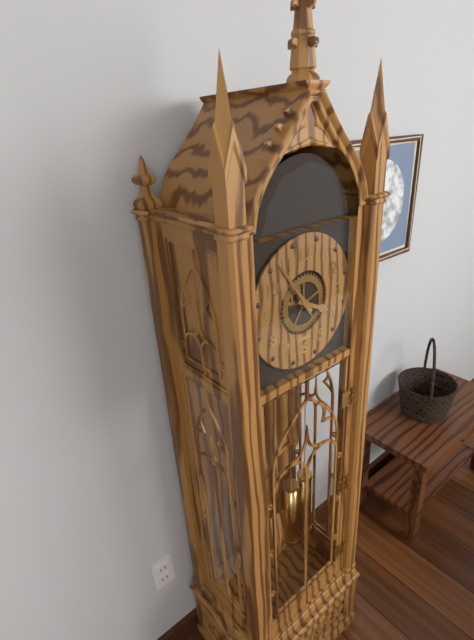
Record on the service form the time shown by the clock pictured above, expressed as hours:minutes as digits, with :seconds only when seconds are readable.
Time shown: 3:54
